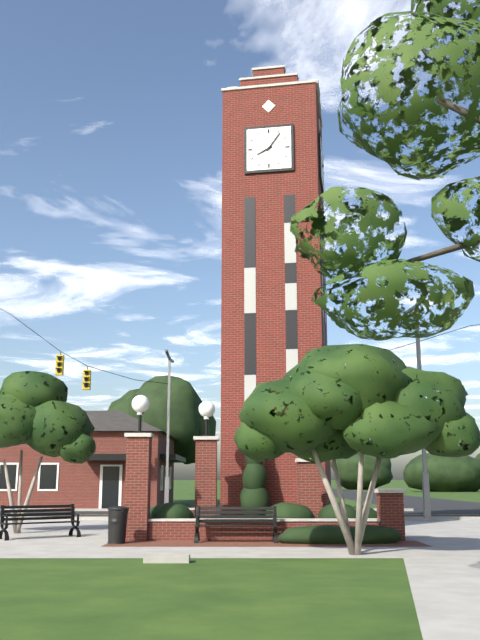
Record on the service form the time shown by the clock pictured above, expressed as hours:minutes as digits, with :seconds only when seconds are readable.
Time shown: 8:06
